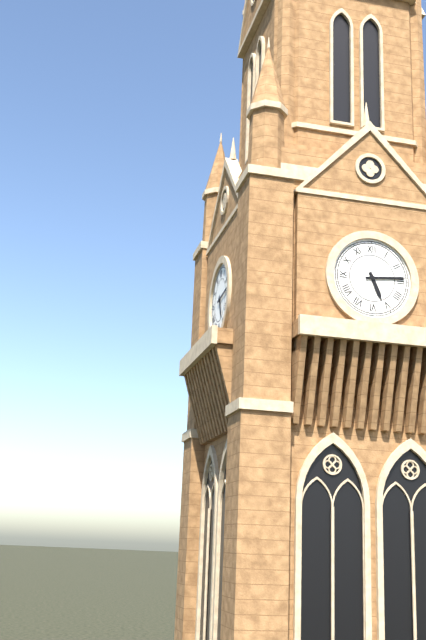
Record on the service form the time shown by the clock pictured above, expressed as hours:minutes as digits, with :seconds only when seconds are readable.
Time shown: 5:14
